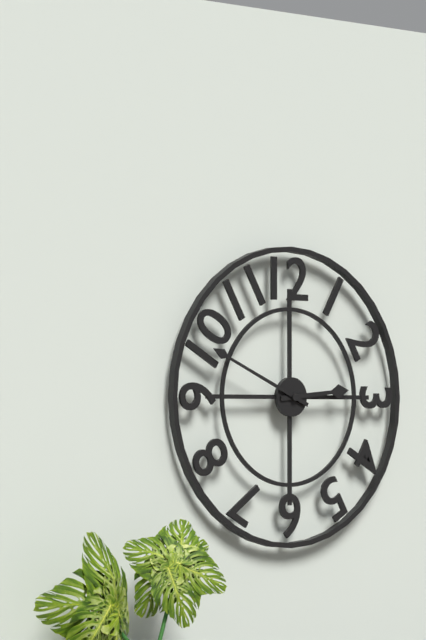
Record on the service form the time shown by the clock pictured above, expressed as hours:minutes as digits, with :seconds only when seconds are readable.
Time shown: 2:49
